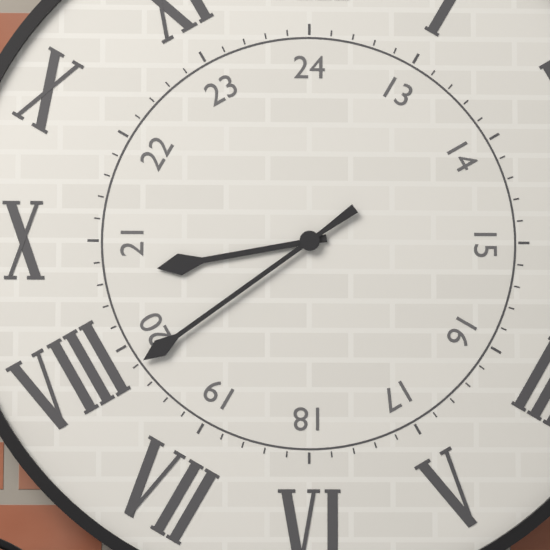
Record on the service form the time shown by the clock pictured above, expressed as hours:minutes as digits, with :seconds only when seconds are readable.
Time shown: 8:39
